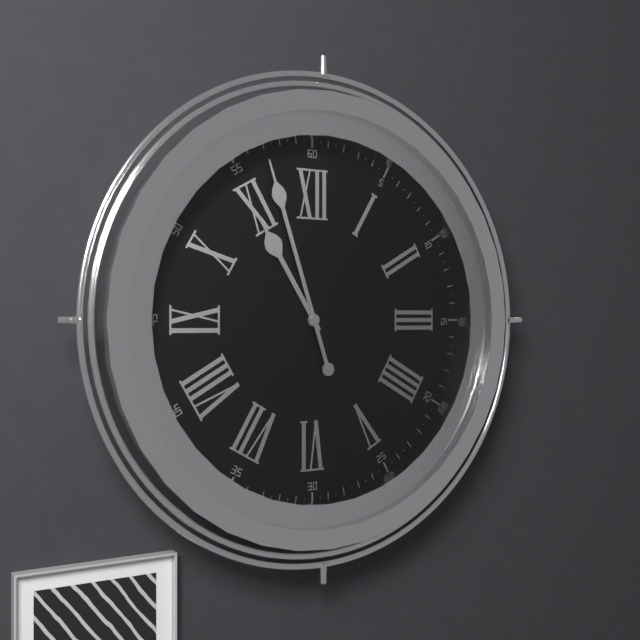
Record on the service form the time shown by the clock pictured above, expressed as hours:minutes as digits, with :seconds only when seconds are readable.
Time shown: 10:57
